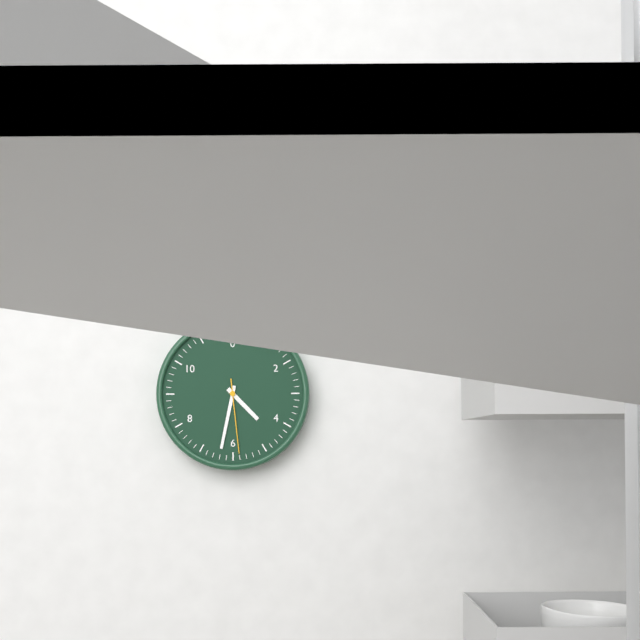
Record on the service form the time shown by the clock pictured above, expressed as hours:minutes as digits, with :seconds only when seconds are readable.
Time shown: 4:32:29
